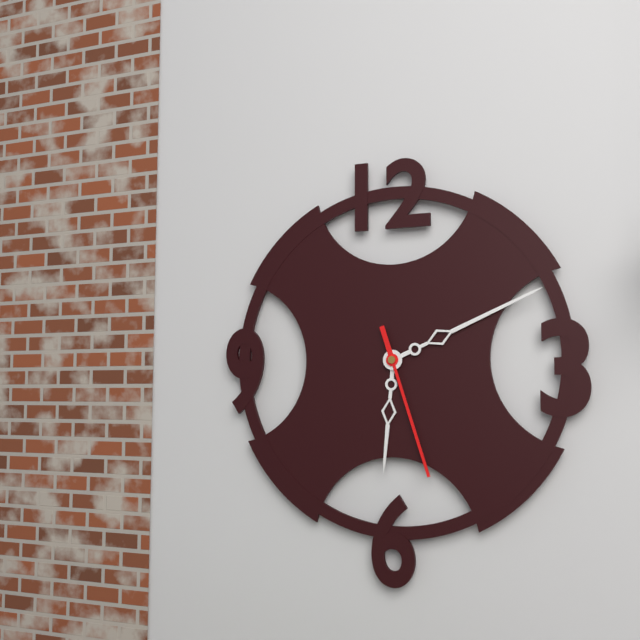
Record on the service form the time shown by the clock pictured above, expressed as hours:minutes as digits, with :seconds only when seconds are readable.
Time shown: 6:11:27
